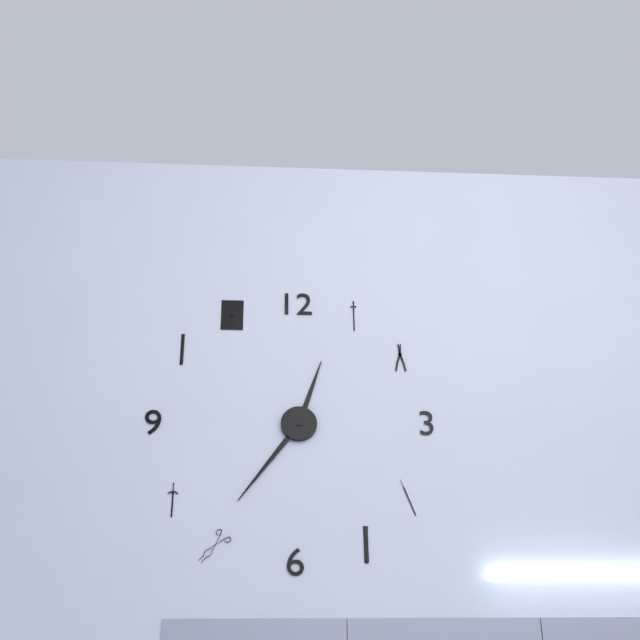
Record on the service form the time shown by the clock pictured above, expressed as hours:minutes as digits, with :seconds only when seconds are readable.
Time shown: 12:36
